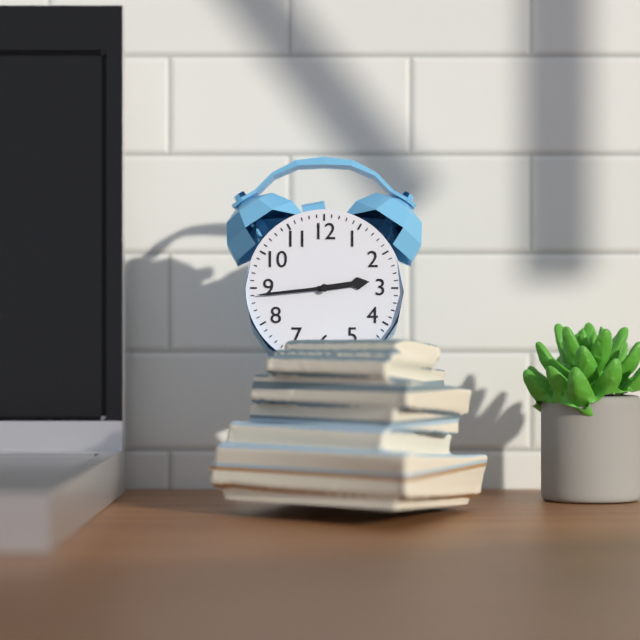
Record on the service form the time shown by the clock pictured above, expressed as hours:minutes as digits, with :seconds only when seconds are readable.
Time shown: 2:44:44
